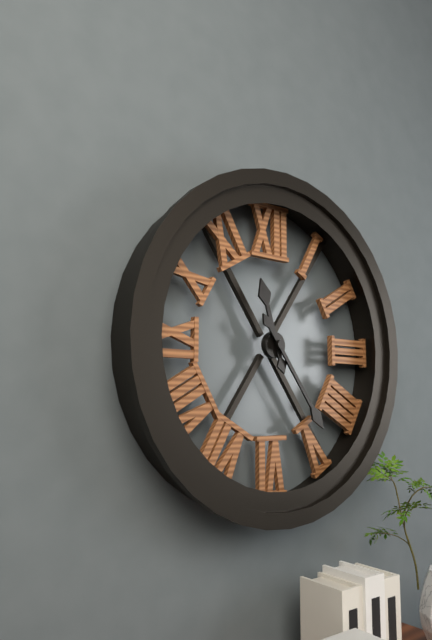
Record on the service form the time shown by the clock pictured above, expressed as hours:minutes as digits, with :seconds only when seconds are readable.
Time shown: 11:24
